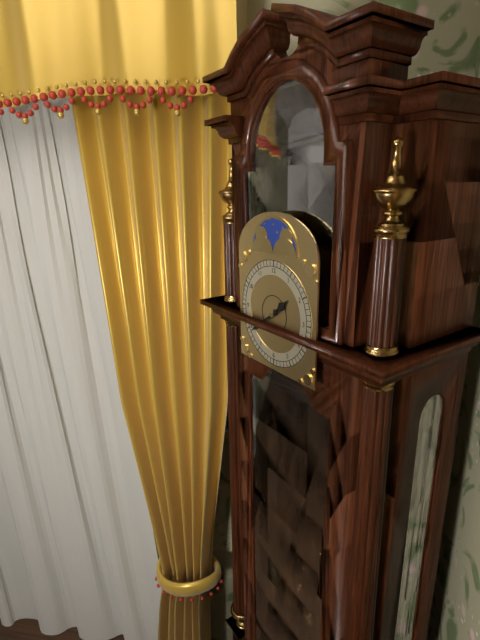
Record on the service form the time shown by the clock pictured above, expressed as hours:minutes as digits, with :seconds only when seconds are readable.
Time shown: 1:39
